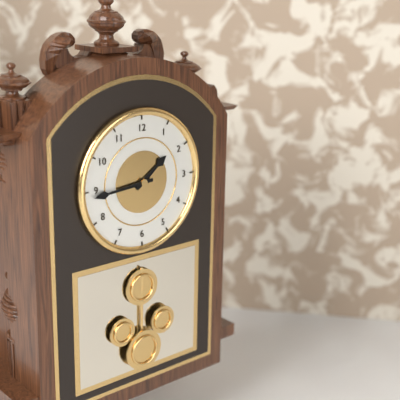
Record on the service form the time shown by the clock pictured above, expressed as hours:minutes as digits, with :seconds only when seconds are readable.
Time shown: 1:44
